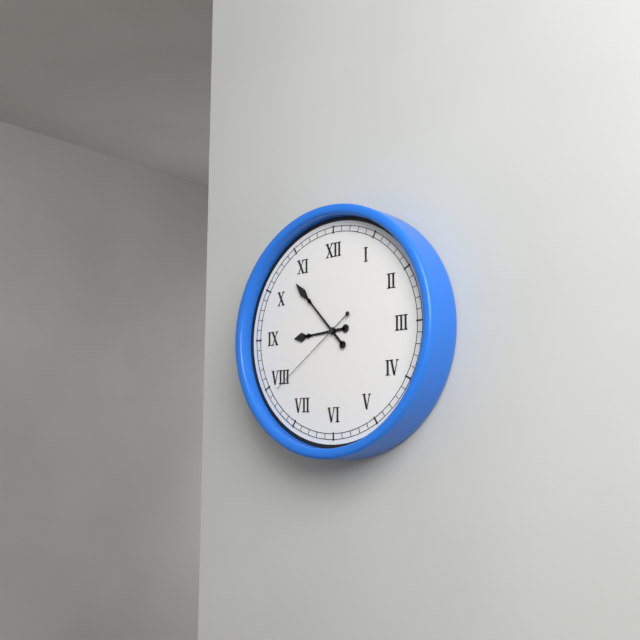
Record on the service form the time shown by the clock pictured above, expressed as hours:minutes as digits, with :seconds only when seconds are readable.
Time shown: 8:53:39
